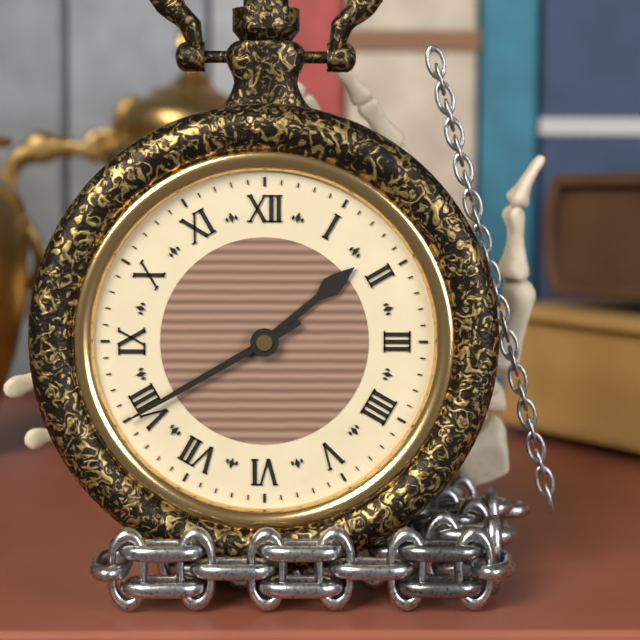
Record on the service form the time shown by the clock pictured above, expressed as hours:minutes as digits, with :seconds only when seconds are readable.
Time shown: 1:40
